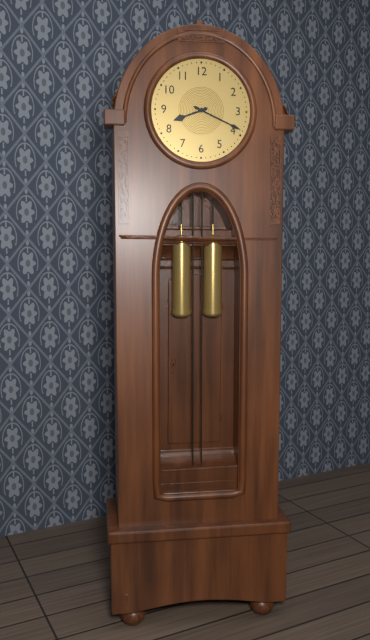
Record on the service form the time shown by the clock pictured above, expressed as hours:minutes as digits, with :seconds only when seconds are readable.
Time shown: 8:19
